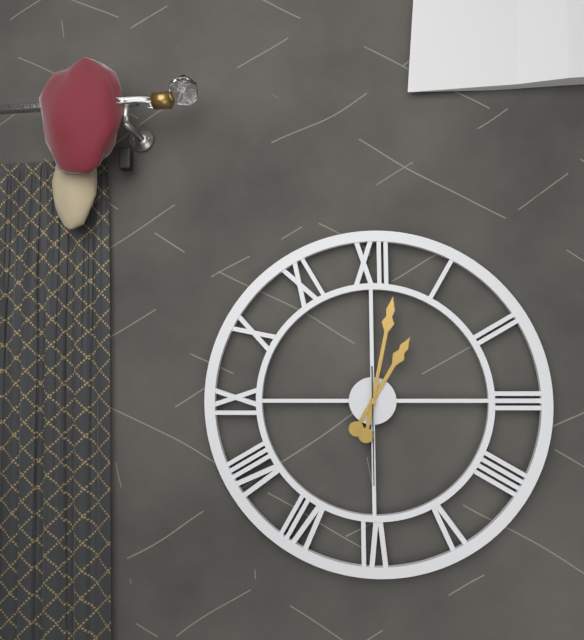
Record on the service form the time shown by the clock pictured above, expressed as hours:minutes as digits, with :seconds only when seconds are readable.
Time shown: 1:02:30
